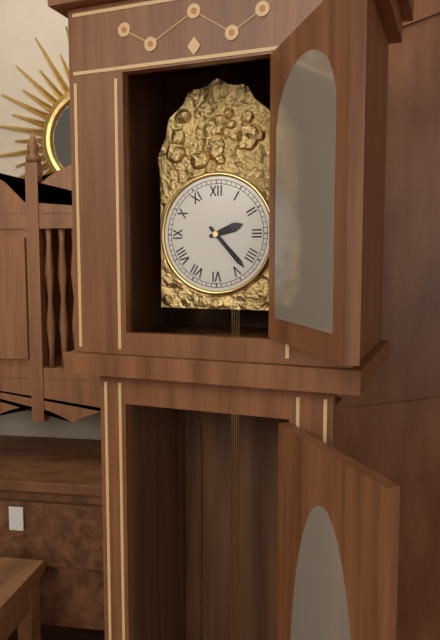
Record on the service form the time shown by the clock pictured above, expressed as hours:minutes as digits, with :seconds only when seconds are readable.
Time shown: 2:23
